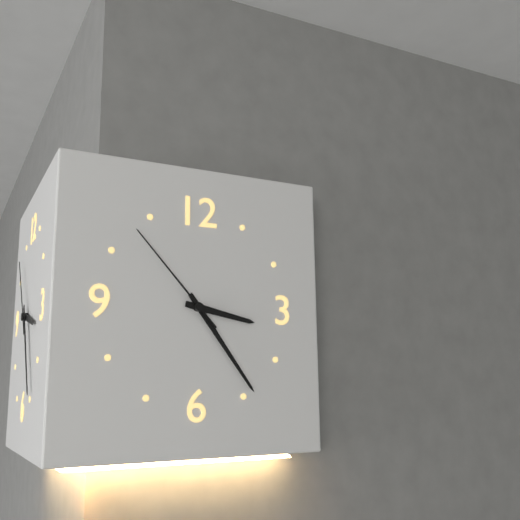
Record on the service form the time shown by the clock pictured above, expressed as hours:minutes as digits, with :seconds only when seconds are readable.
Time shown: 3:24:53
